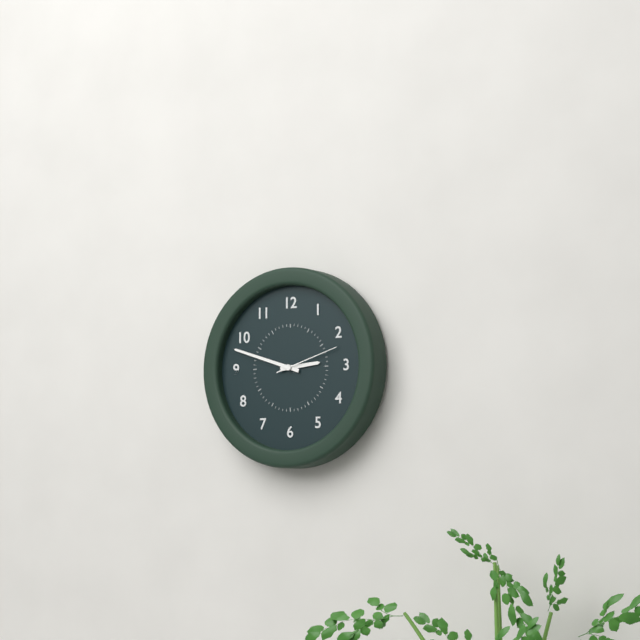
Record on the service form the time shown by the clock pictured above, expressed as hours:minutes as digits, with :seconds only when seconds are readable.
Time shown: 2:48:12
